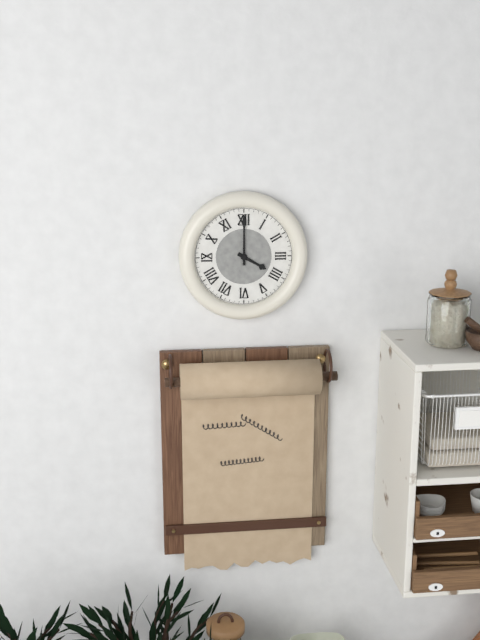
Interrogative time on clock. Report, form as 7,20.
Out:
4,00
